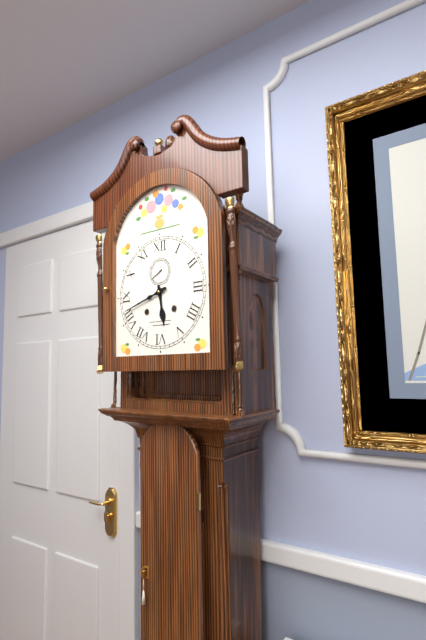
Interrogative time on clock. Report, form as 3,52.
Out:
5,42
